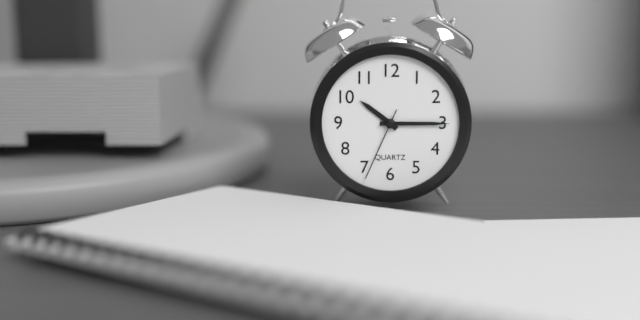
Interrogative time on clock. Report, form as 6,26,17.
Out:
10,15,34
